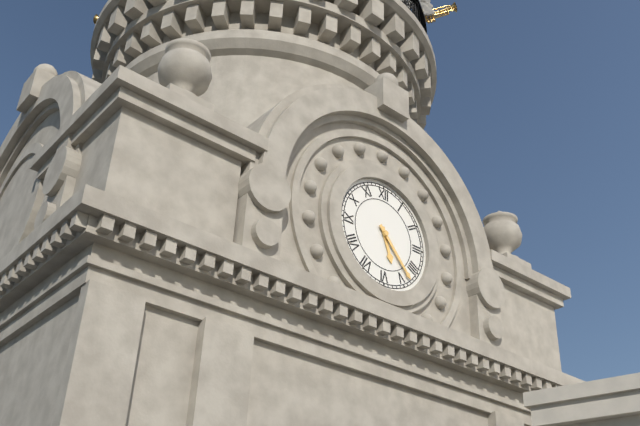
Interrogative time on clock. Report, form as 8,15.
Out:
5,23
